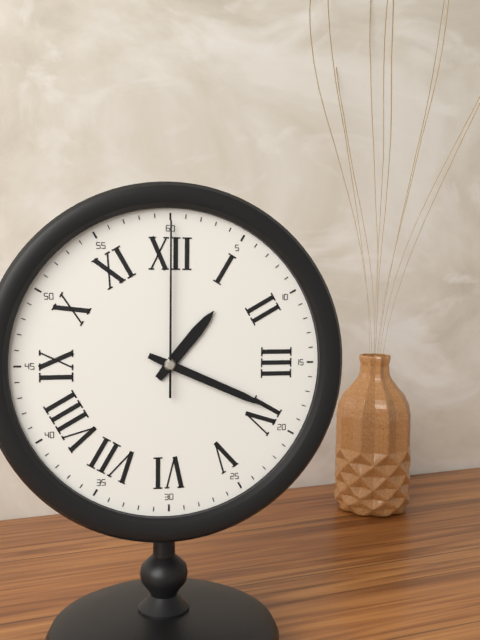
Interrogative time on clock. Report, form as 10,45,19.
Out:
1,19,00
